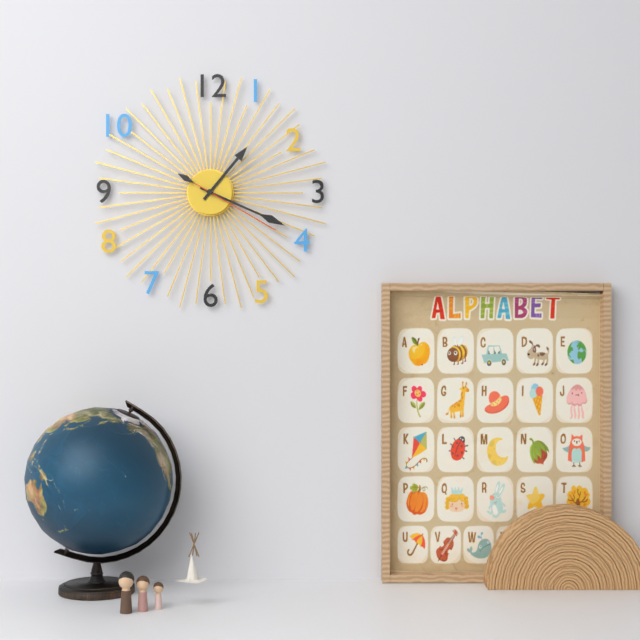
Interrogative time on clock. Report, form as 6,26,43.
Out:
1,19,20
